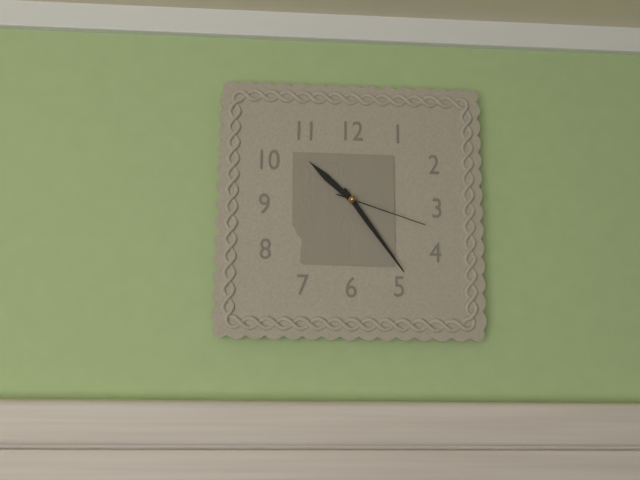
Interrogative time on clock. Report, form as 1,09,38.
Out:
10,24,18
